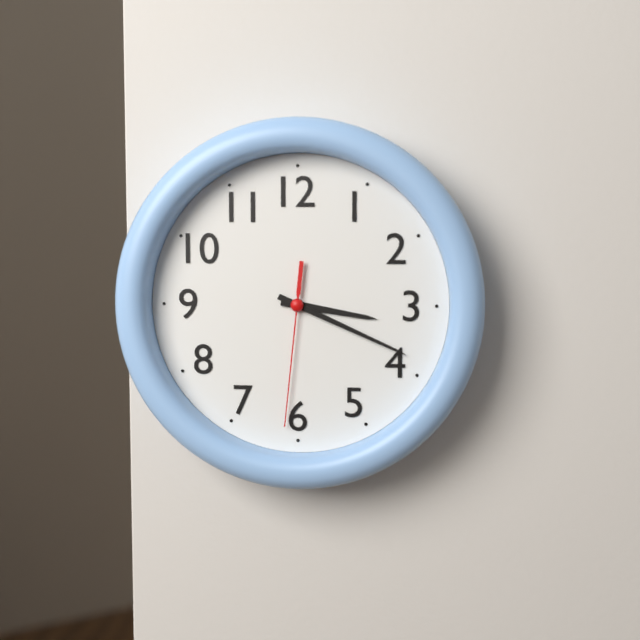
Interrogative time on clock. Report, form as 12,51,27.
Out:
3,19,31
